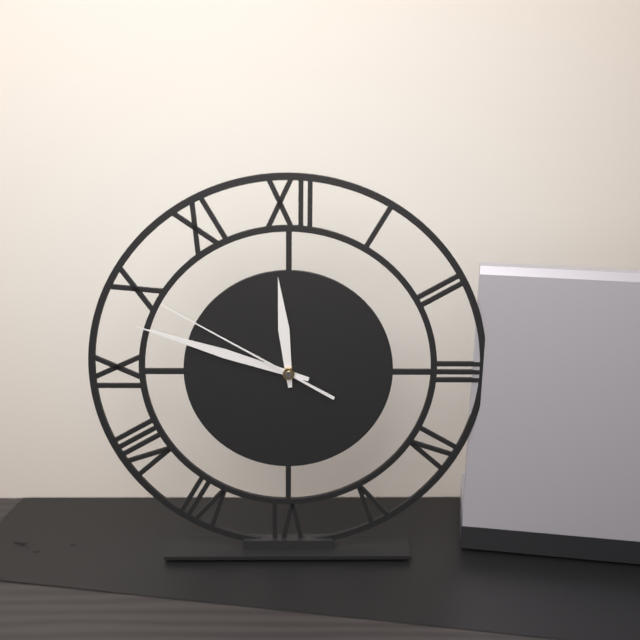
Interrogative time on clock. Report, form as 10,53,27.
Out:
11,48,50
